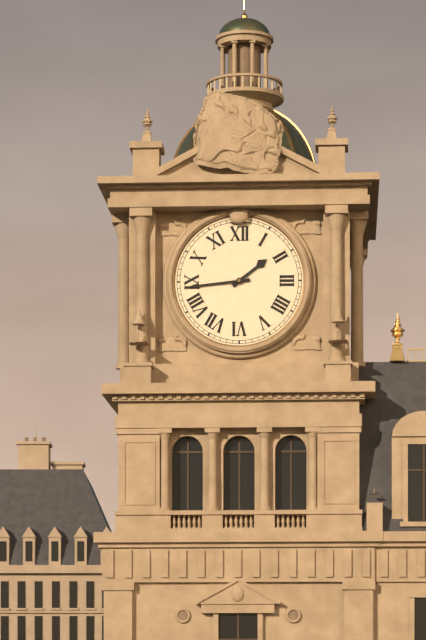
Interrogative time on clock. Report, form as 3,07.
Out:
1,44
